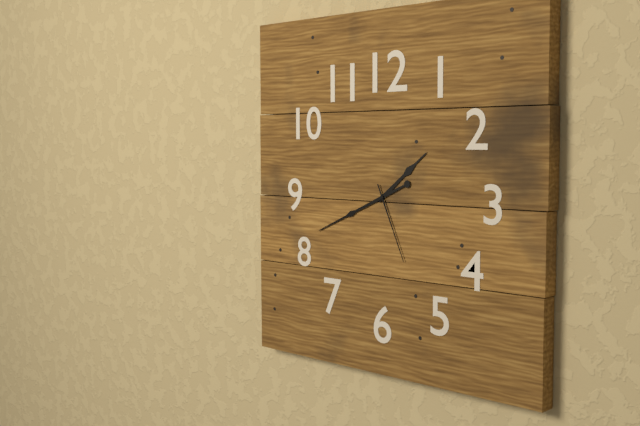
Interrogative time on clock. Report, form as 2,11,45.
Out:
1,41,26
